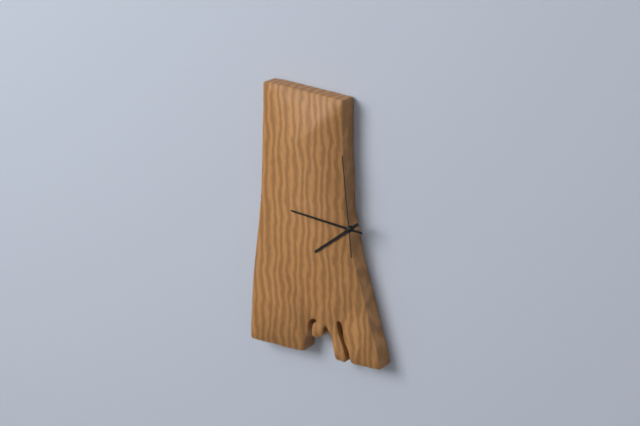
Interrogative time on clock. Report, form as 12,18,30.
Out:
7,46,59
